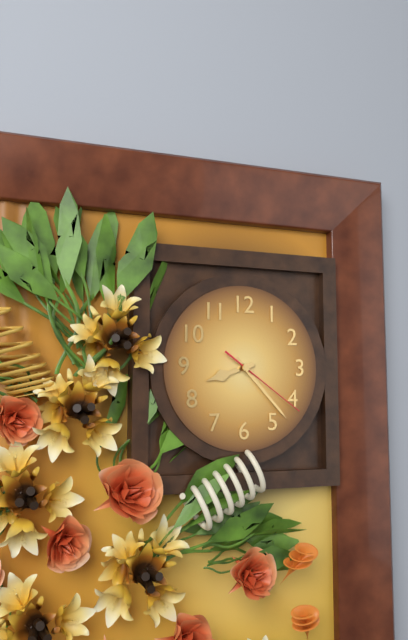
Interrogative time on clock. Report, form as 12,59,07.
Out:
8,23,21
